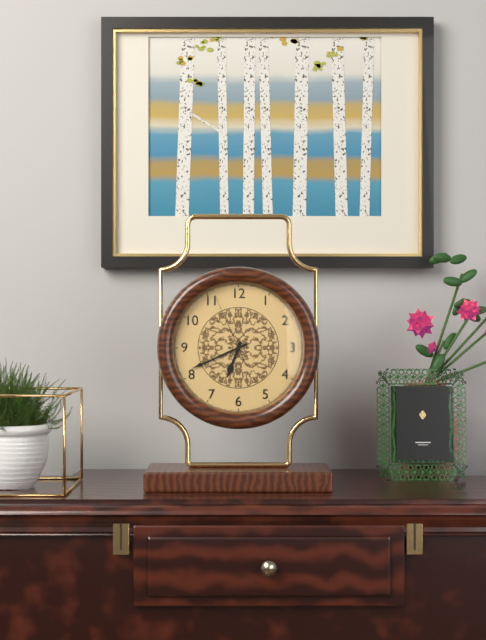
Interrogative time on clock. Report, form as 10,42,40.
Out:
6,41,56
